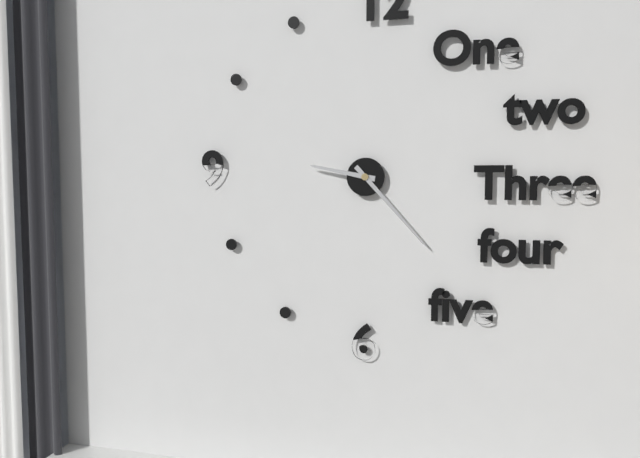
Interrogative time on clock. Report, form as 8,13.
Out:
9,23
